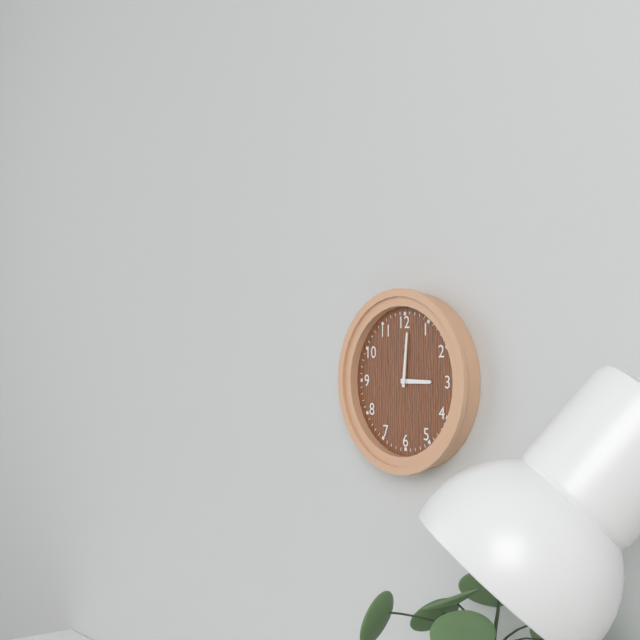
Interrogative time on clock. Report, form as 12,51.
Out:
3,01
